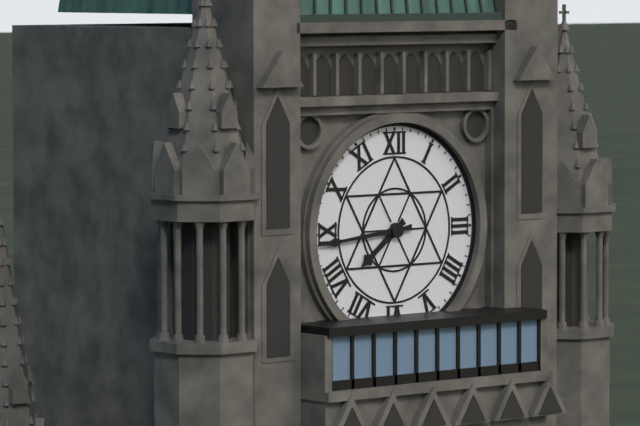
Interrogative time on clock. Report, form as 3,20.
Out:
7,44
